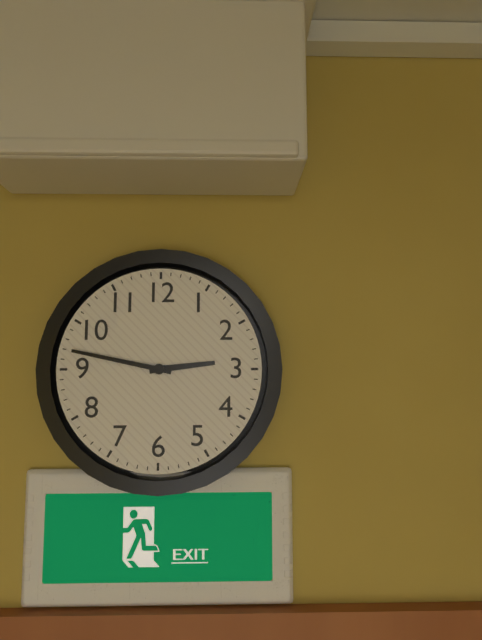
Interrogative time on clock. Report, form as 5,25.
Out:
2,47
